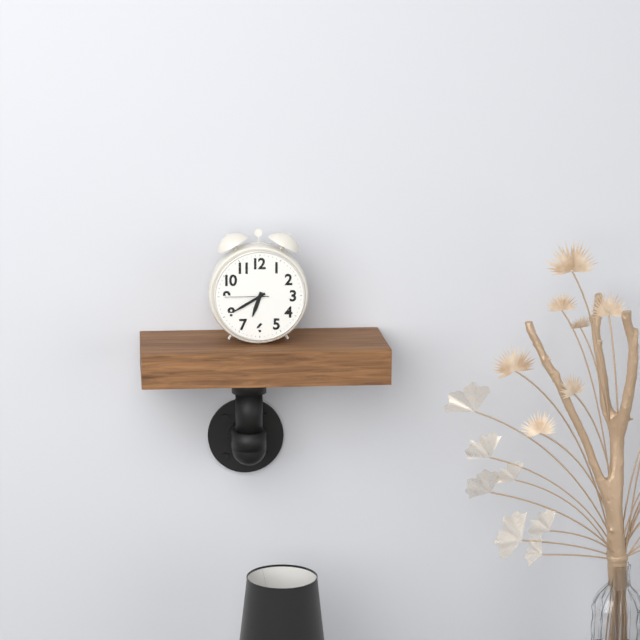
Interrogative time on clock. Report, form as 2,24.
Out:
6,40
